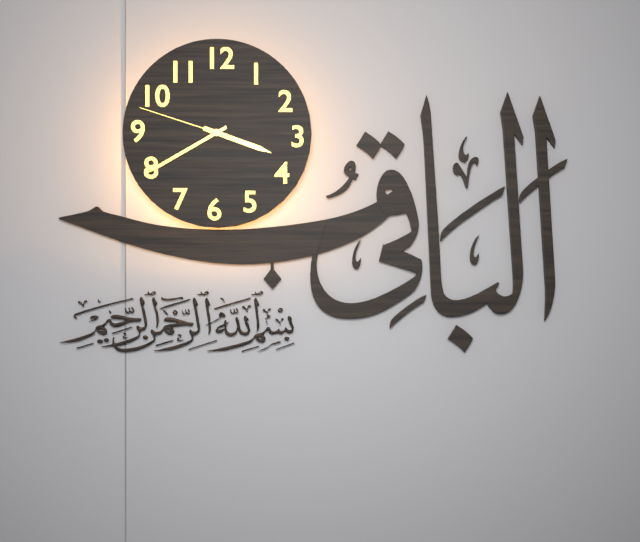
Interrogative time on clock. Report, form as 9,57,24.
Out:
3,40,48
